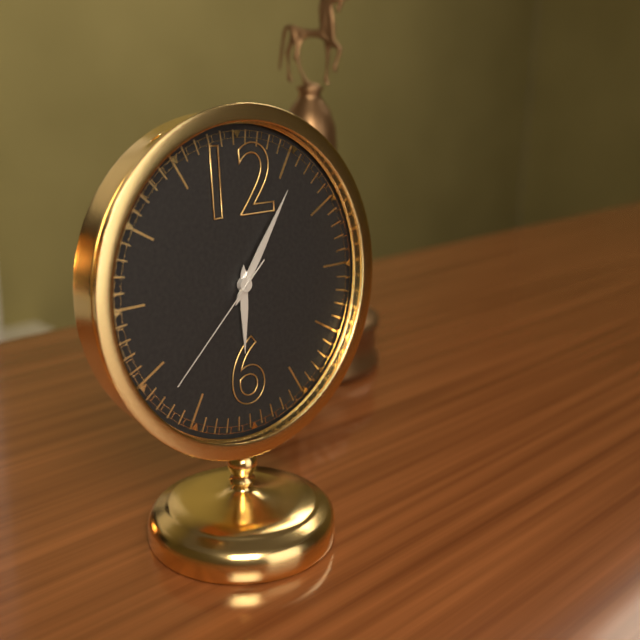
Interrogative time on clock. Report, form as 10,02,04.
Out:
6,06,38
